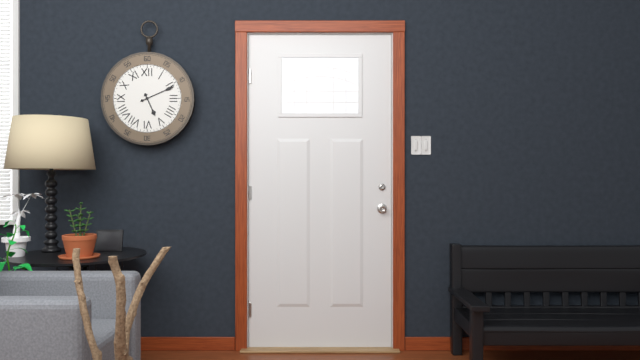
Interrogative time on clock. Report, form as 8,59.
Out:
5,11
